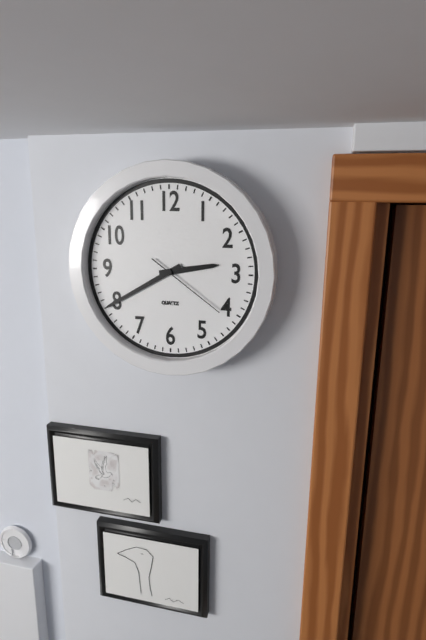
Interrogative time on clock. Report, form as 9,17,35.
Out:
2,40,21
